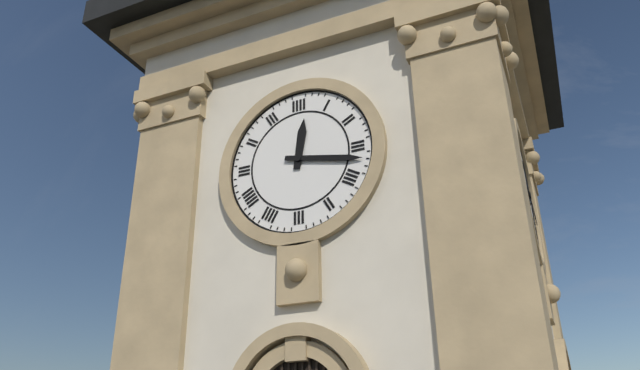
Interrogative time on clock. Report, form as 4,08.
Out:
12,17
